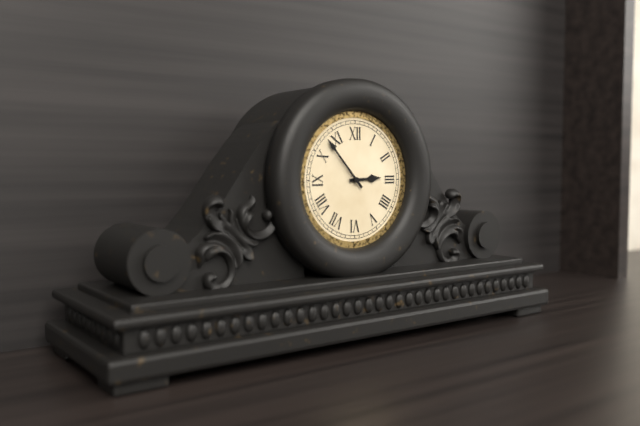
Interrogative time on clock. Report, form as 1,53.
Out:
2,53
